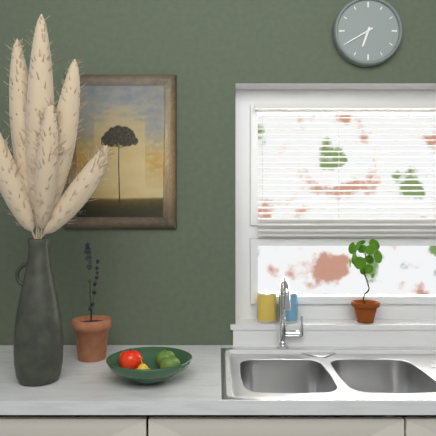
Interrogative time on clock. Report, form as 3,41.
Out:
6,40
